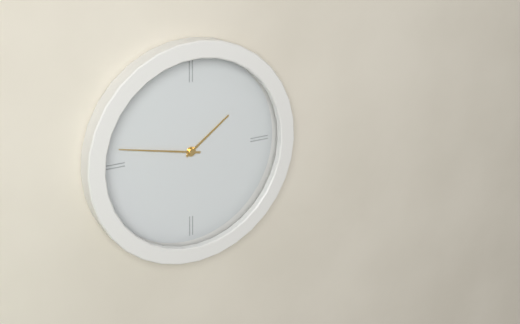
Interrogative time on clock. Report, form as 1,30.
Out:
1,47
